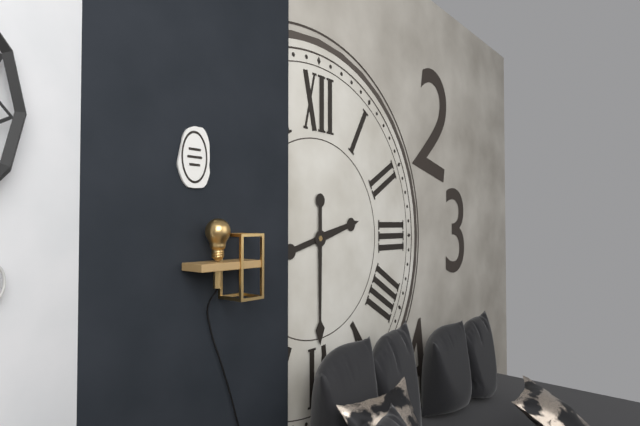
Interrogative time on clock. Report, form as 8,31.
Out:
2,30
